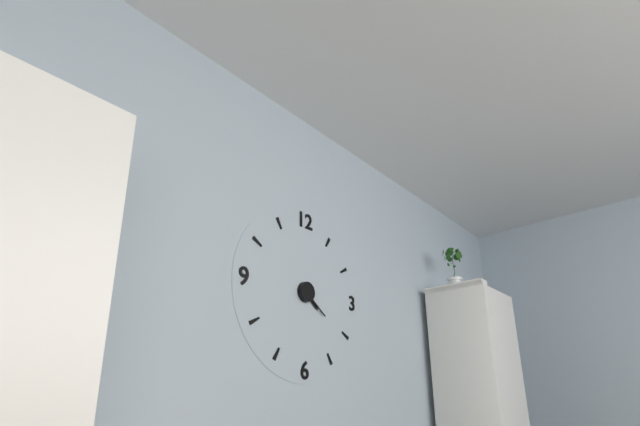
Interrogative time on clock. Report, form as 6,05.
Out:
4,21
